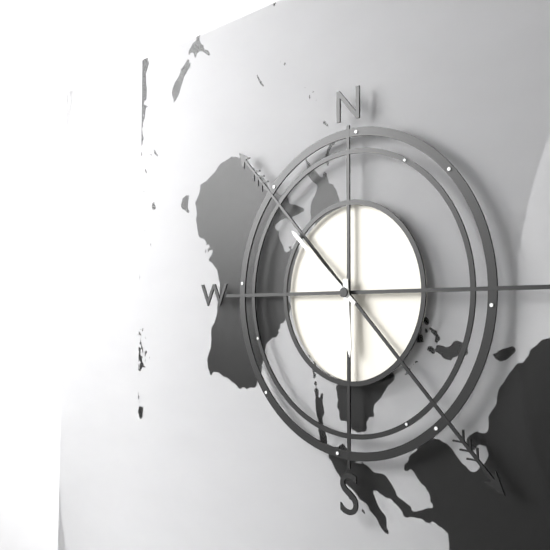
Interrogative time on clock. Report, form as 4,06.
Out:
5,52
